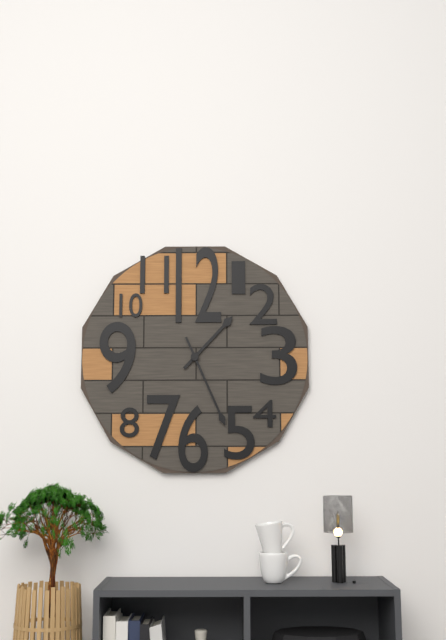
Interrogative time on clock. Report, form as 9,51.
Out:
1,26
